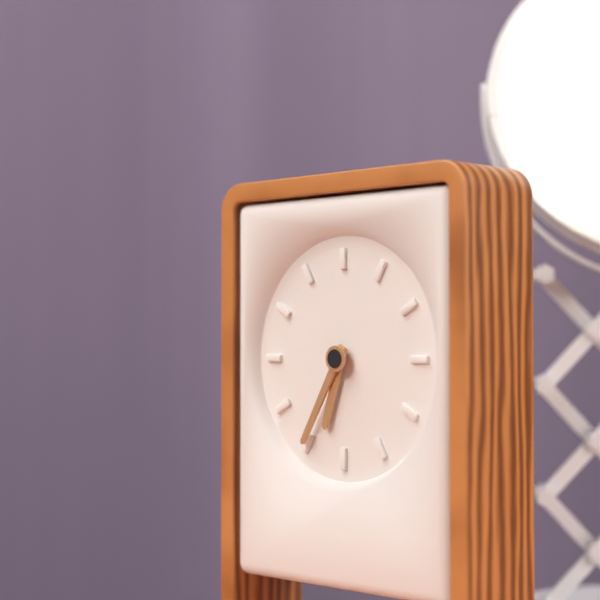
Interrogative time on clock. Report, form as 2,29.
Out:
6,35
